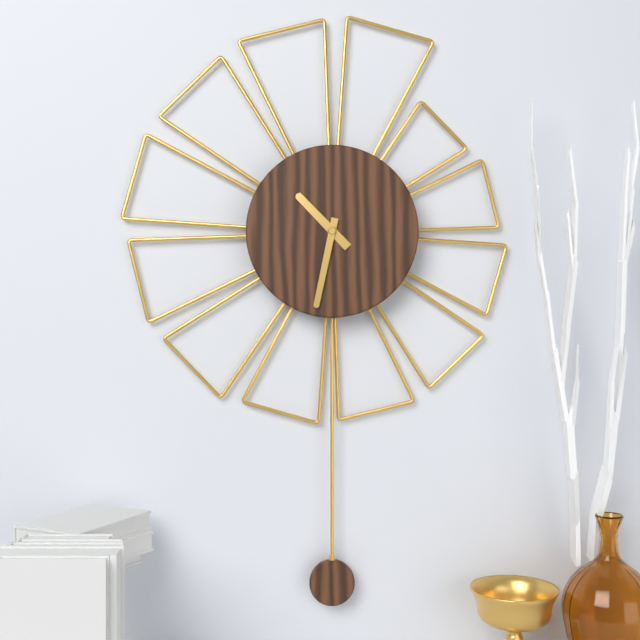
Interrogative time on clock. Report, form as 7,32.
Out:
10,32
